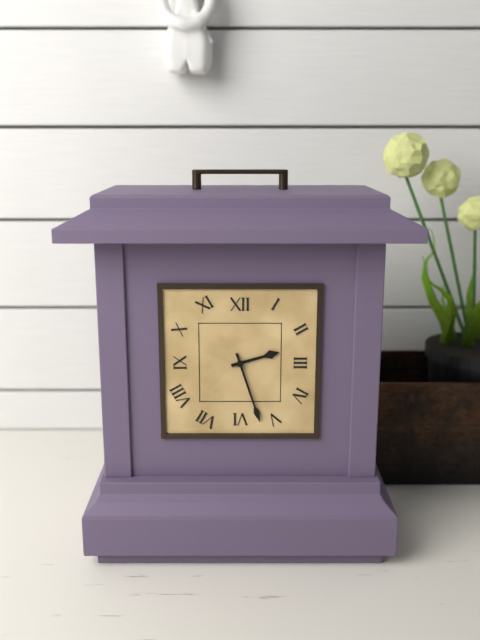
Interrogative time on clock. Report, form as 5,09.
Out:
2,27
